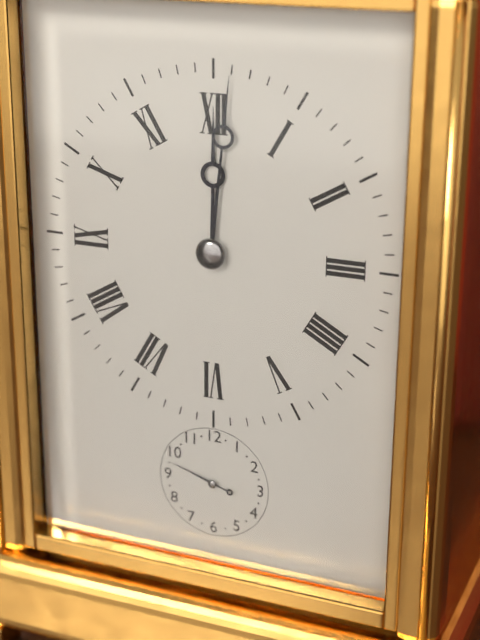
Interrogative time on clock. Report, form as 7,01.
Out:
12,01
